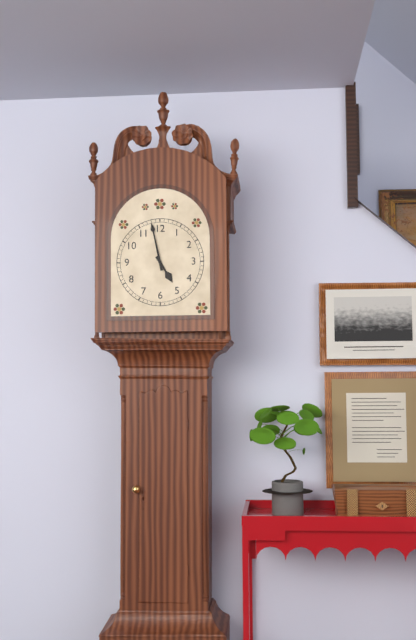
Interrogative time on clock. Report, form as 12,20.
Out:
4,58
